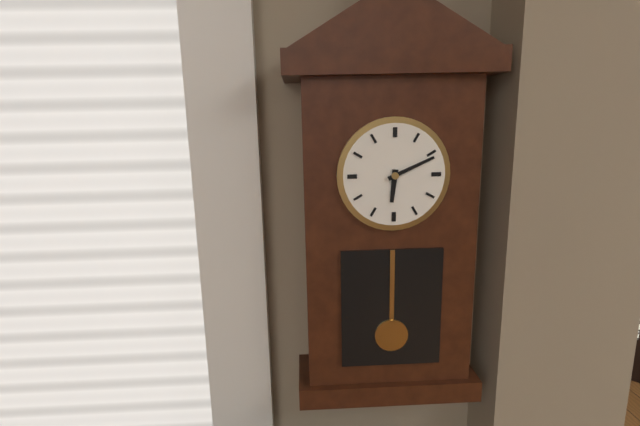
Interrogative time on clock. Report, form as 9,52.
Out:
6,11
